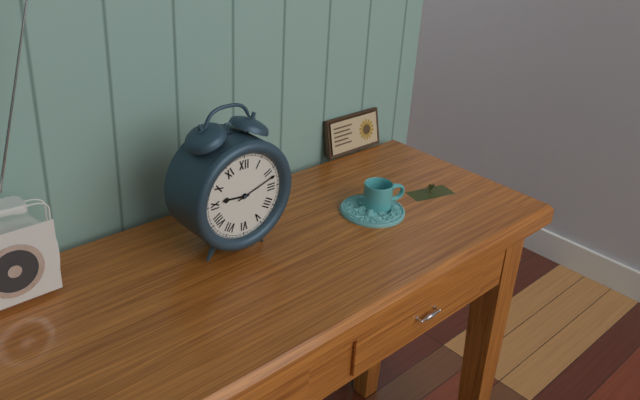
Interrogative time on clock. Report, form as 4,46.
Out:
9,12
